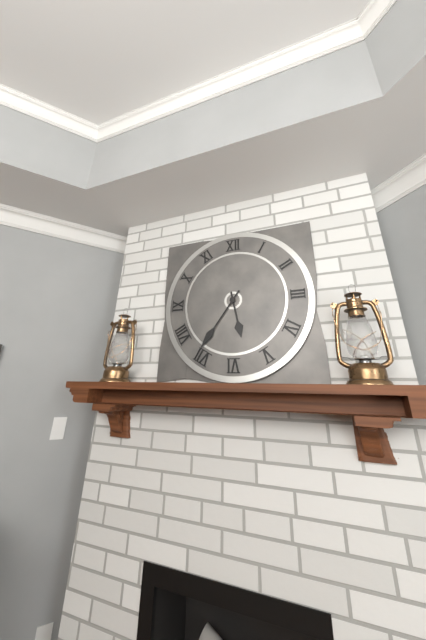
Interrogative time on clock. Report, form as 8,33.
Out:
5,36
